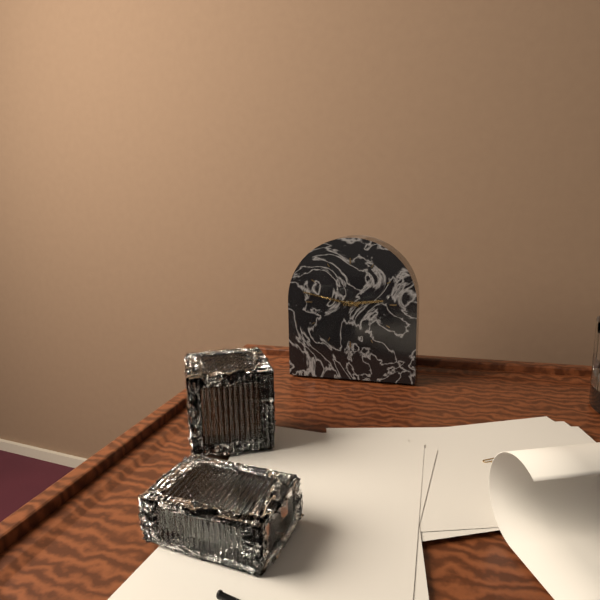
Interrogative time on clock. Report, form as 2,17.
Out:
2,47
